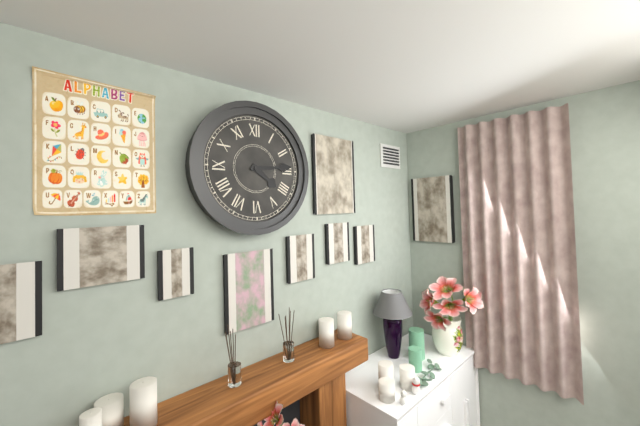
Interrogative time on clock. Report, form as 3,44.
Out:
4,14
